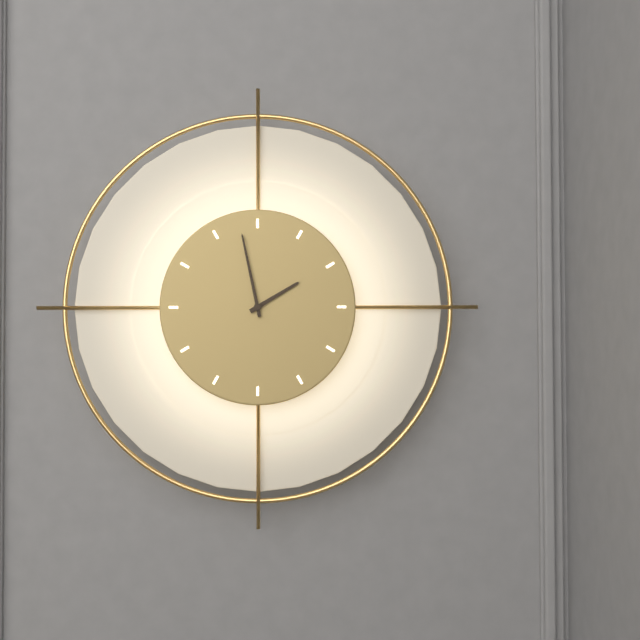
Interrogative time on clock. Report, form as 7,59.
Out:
1,58
